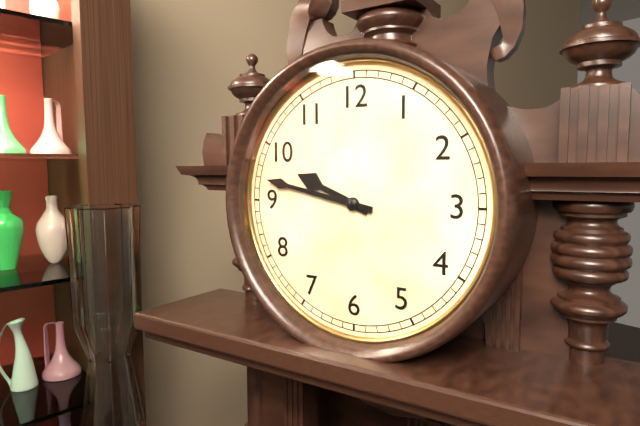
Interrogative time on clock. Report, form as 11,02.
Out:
9,47
